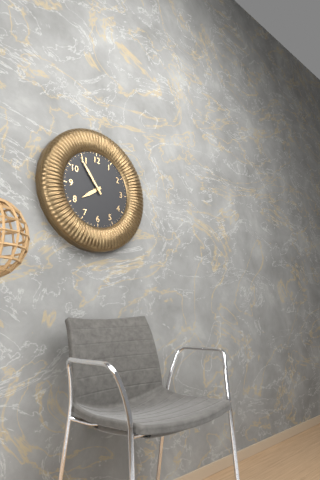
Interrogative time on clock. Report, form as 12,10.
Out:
7,54
